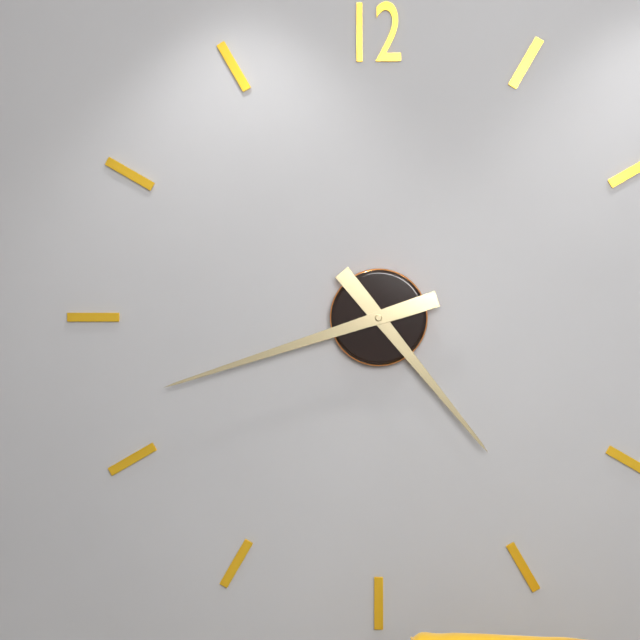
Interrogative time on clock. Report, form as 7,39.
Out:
4,42
